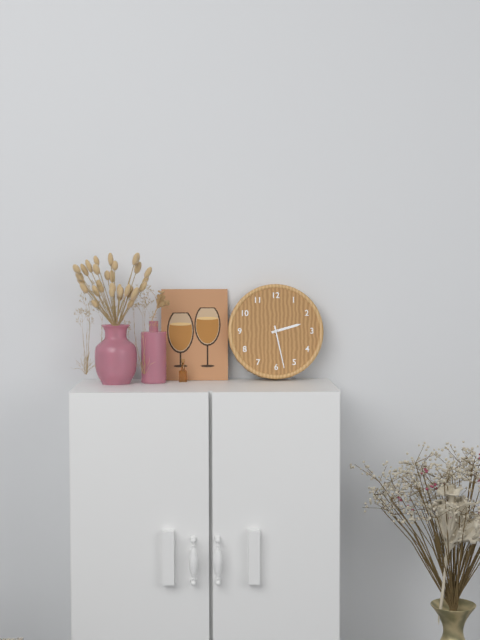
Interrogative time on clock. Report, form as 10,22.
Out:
2,28
